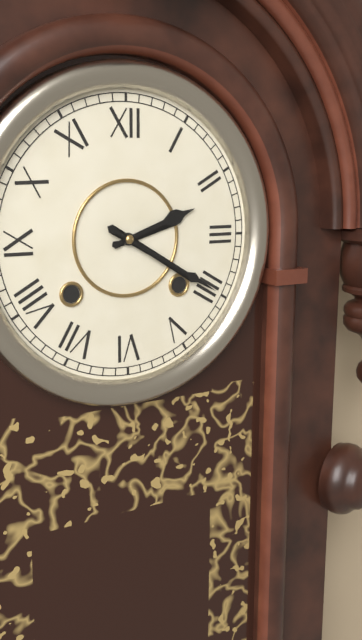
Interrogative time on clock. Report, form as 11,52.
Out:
2,20
